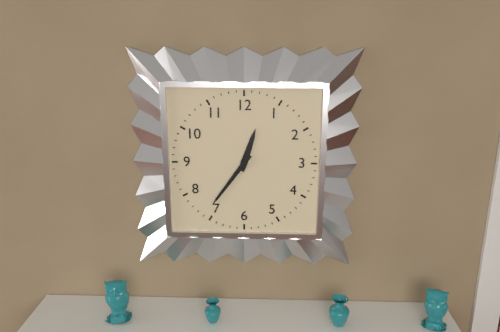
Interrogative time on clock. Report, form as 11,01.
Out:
12,36
